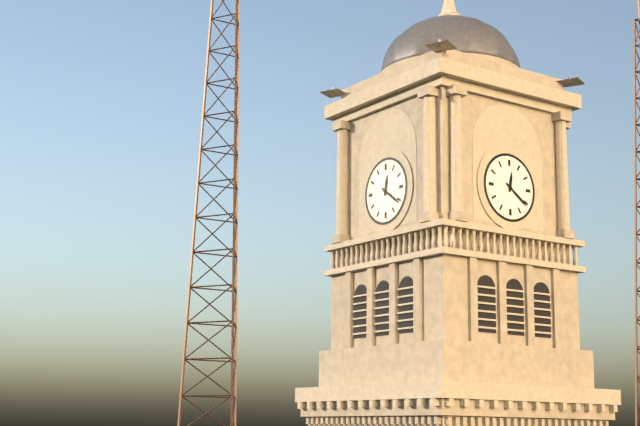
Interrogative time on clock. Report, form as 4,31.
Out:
12,21
